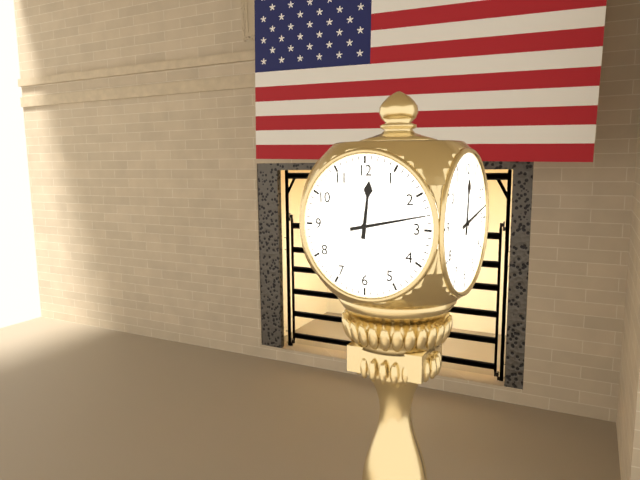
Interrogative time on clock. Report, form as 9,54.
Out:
12,13
